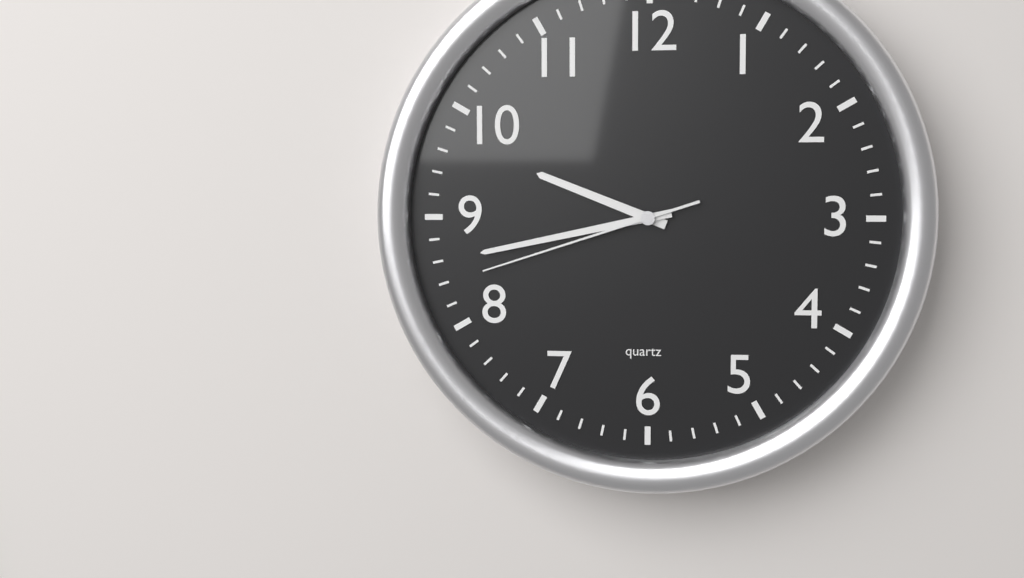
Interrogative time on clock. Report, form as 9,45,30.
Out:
9,43,42
